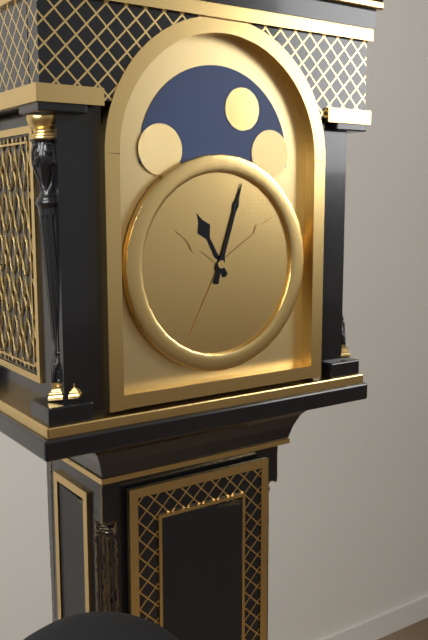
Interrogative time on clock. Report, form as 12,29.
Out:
11,03
